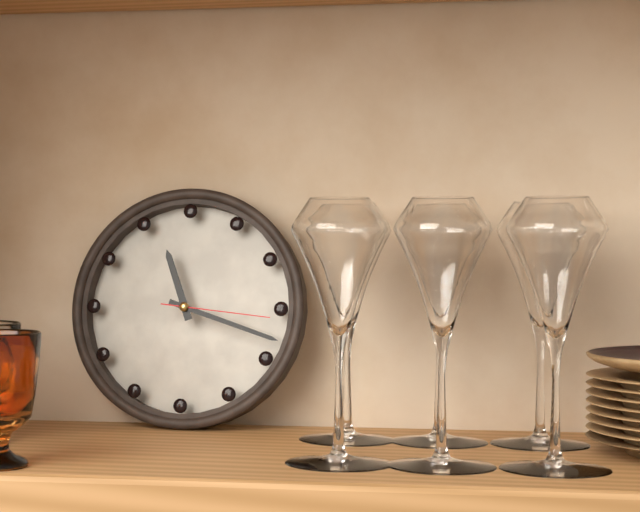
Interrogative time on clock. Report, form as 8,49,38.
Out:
11,18,16
